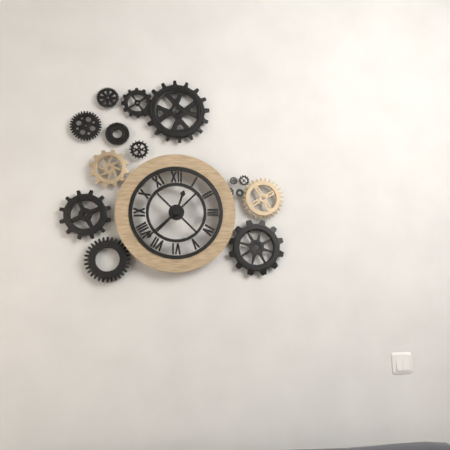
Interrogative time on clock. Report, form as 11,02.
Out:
12,38
